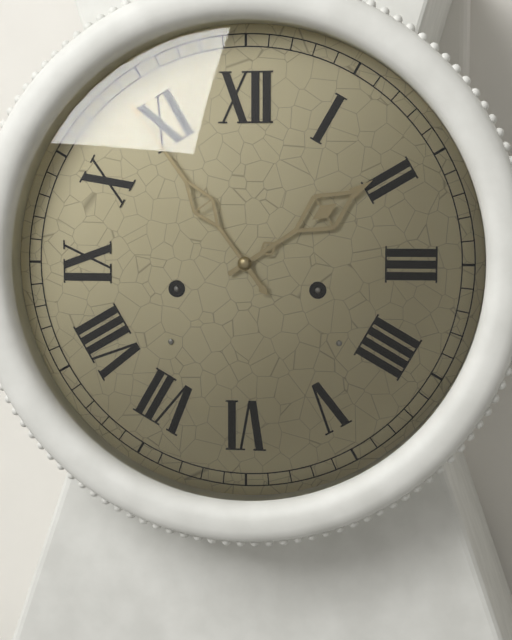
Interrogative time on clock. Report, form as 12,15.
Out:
1,54
